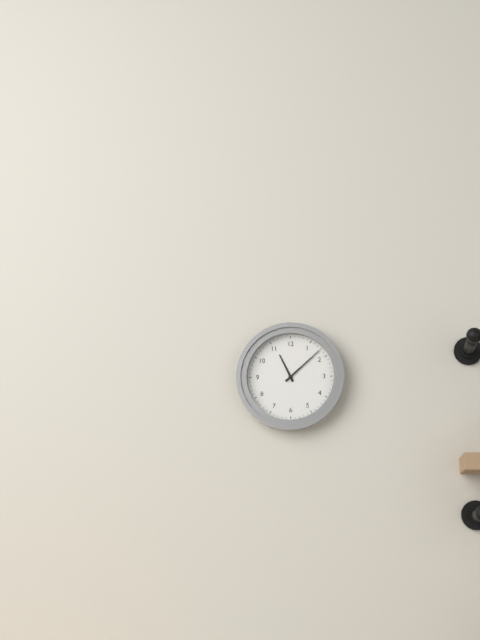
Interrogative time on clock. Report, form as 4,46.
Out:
11,08
